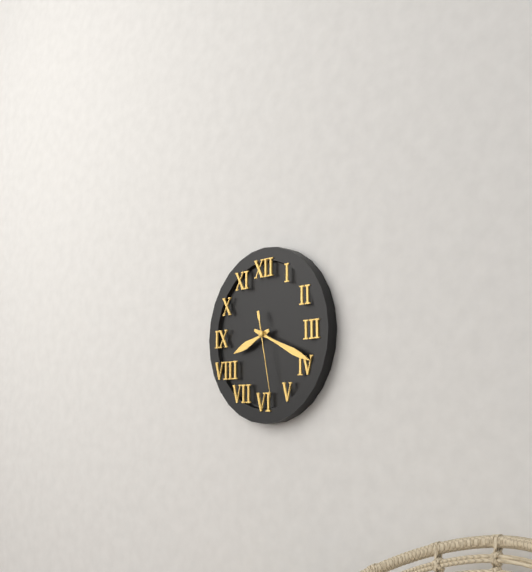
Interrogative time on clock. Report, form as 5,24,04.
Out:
8,19,28
